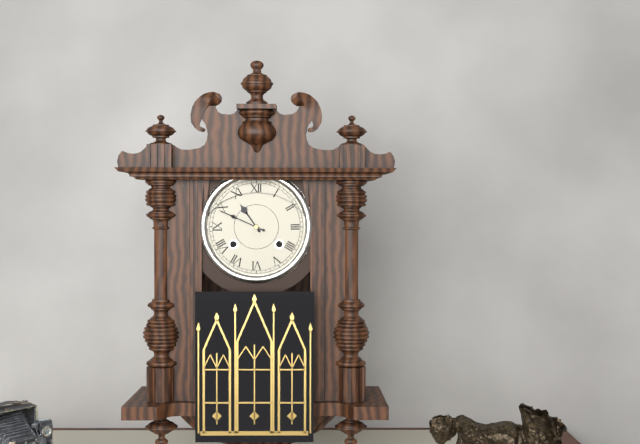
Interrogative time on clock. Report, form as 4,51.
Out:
10,49
